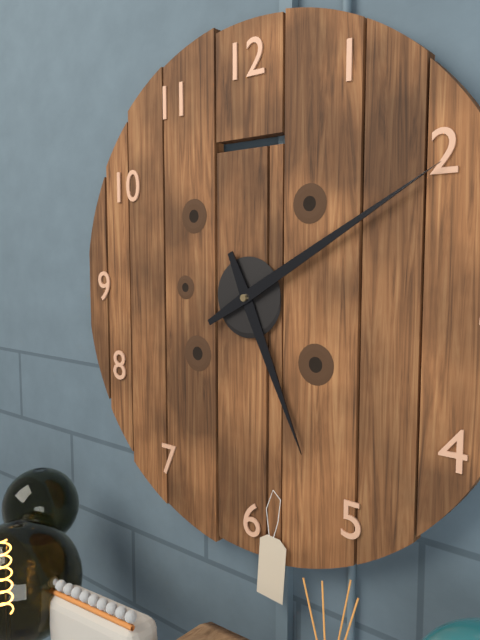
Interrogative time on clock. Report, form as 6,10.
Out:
5,10
